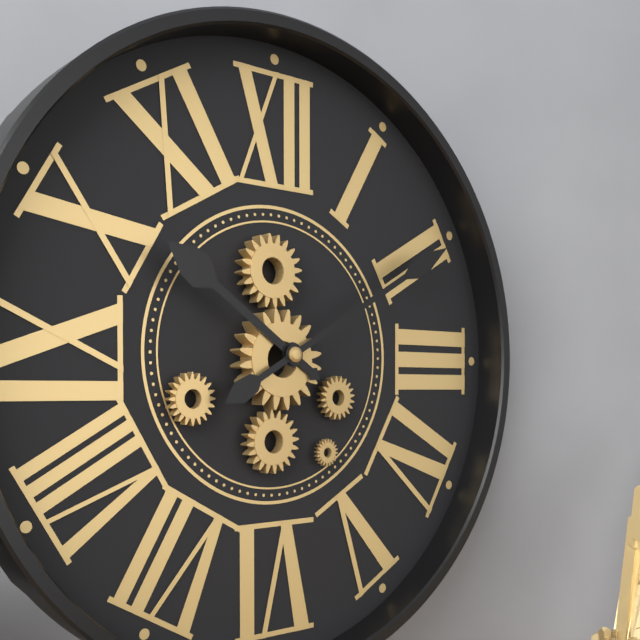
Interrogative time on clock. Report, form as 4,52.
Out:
10,10
